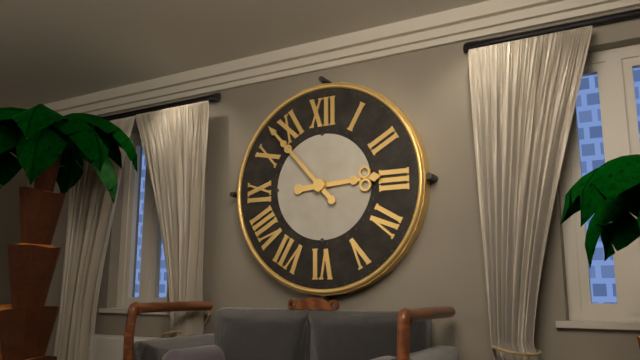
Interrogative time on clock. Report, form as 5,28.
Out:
2,53
